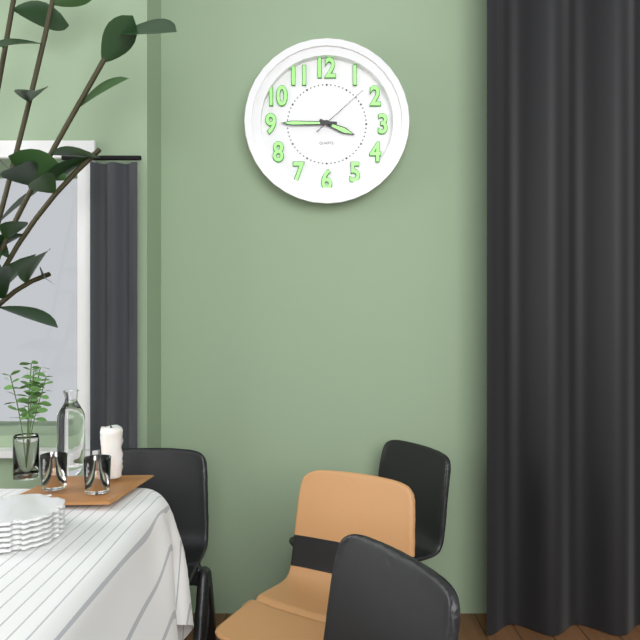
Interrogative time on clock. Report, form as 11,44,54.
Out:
3,45,08
